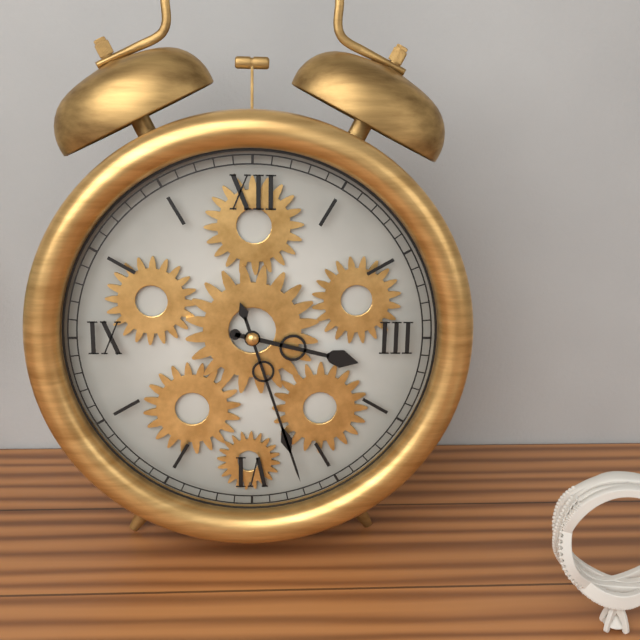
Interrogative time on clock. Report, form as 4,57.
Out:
3,27
